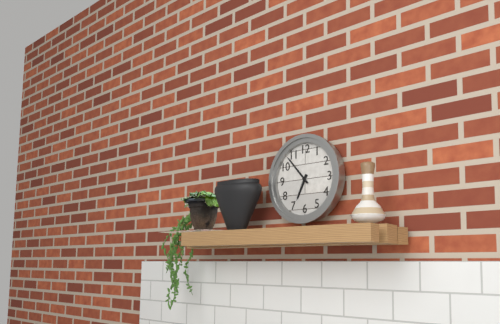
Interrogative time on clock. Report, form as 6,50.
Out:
6,53
